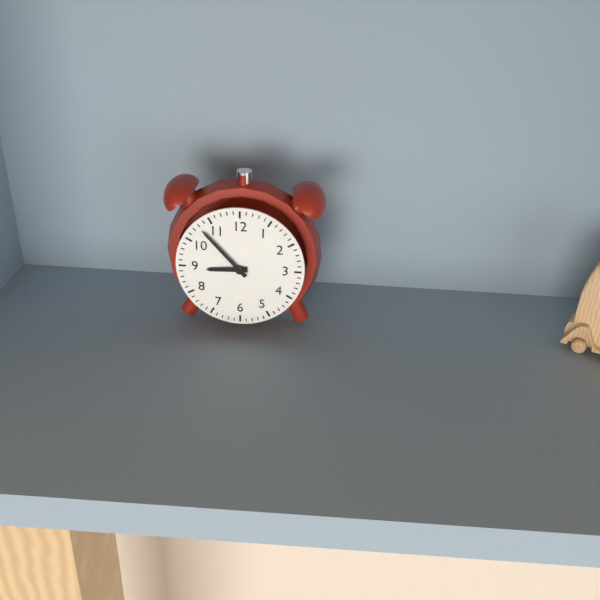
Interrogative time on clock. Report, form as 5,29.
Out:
8,53
